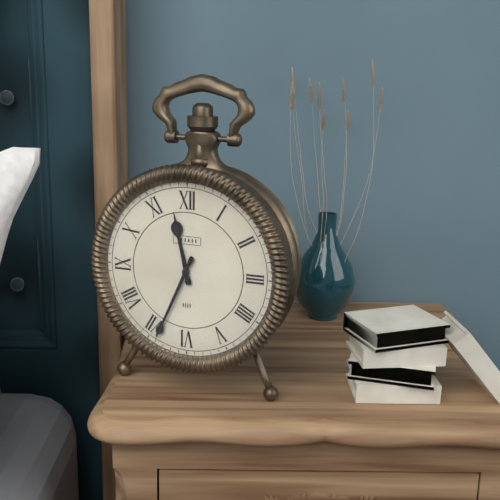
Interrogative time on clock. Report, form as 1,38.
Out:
11,34
